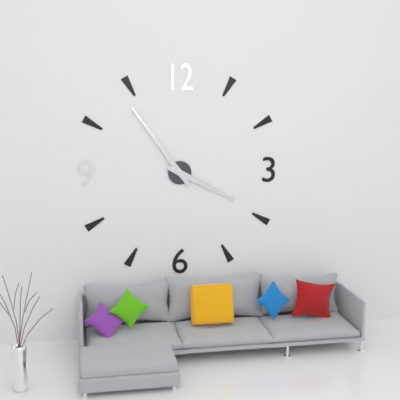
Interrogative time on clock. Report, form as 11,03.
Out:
3,54
